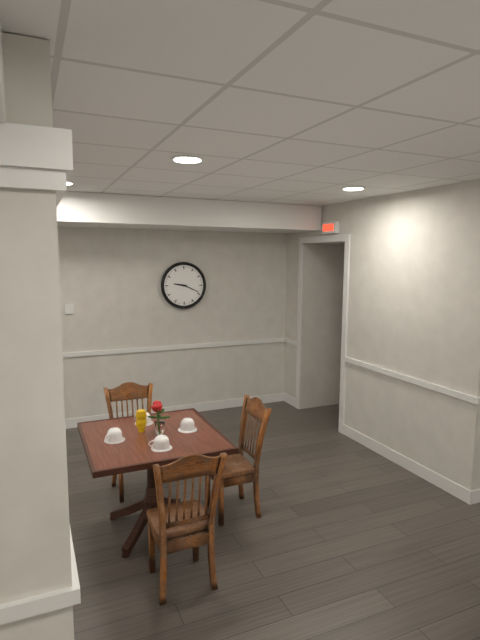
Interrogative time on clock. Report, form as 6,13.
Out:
9,19
